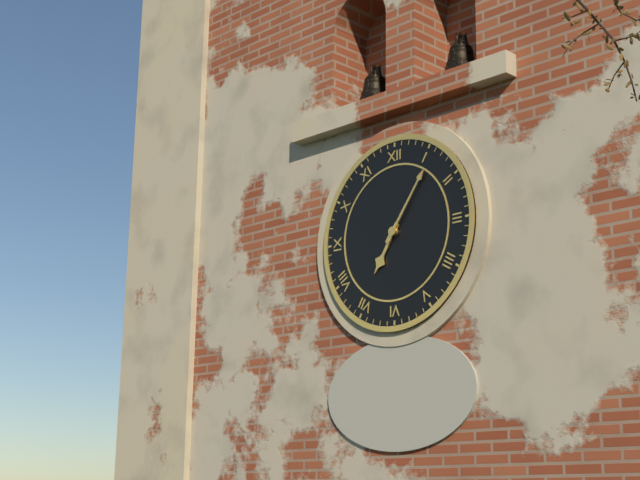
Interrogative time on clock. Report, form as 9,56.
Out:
7,06
